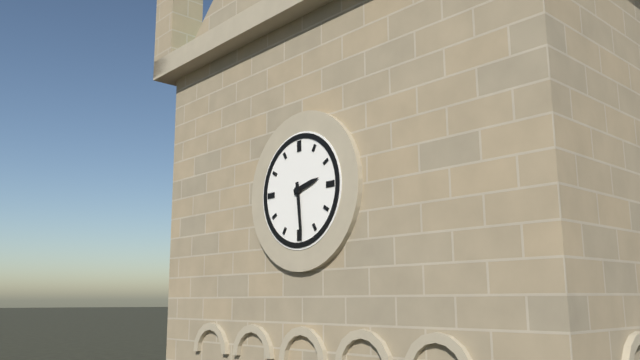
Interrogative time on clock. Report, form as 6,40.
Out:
2,29
